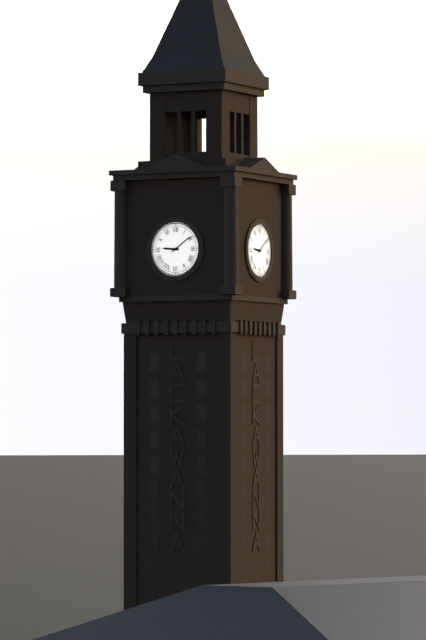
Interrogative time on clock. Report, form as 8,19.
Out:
9,09
